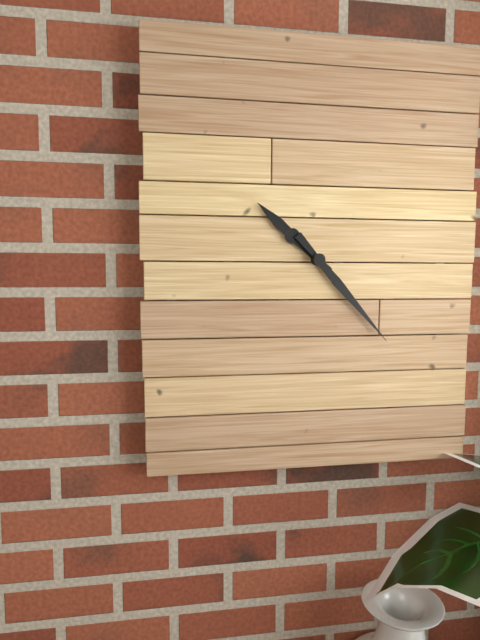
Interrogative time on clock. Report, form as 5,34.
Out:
10,23
